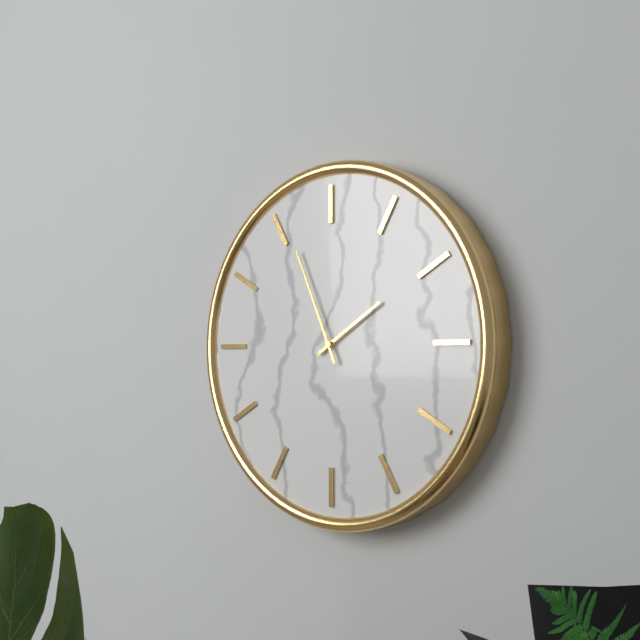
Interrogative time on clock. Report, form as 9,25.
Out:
1,56
